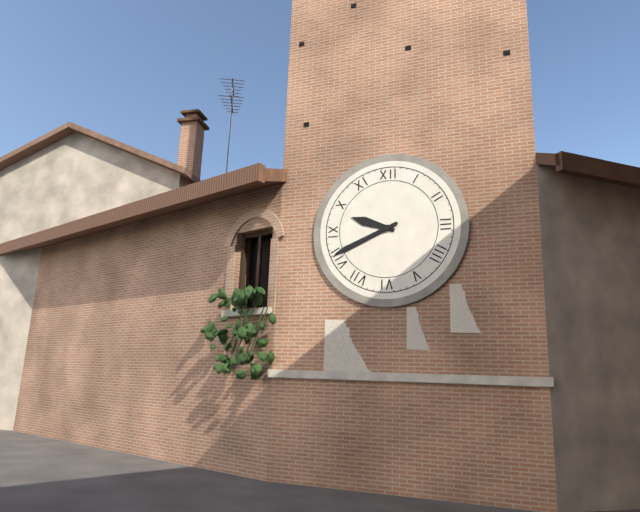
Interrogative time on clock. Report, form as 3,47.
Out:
9,41
